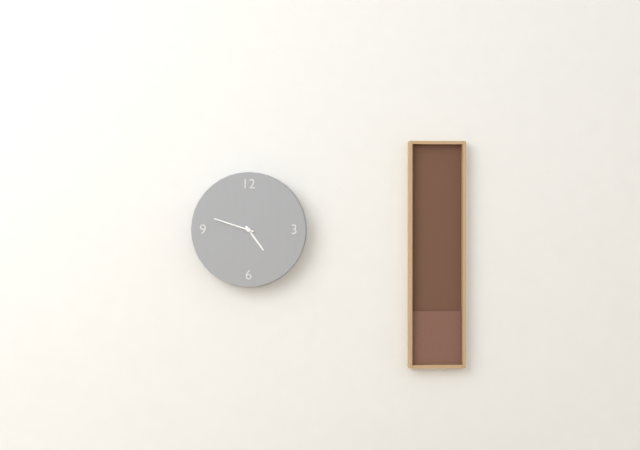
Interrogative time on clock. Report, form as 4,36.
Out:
4,48
